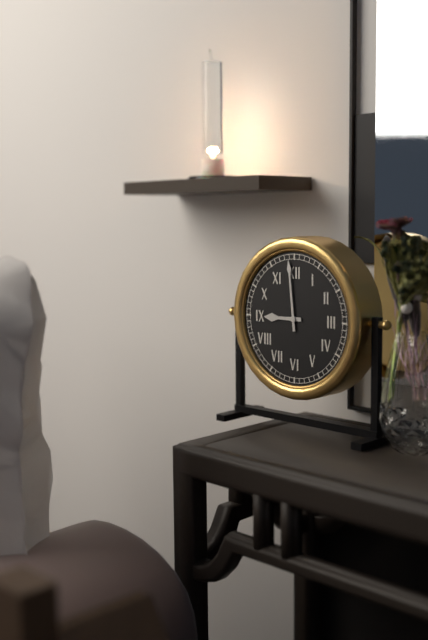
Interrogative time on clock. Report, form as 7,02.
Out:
8,59
